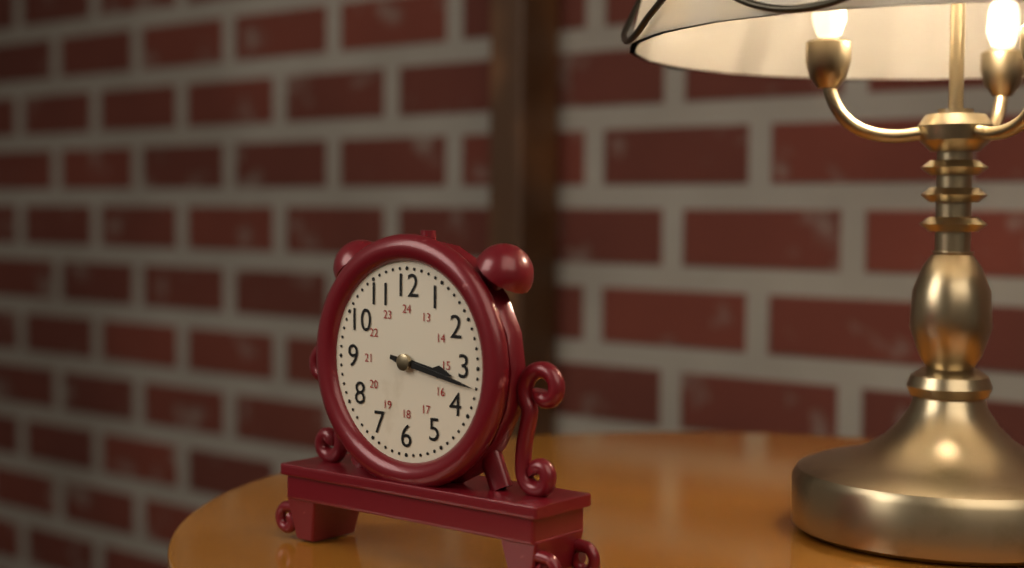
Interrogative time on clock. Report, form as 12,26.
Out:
3,17
